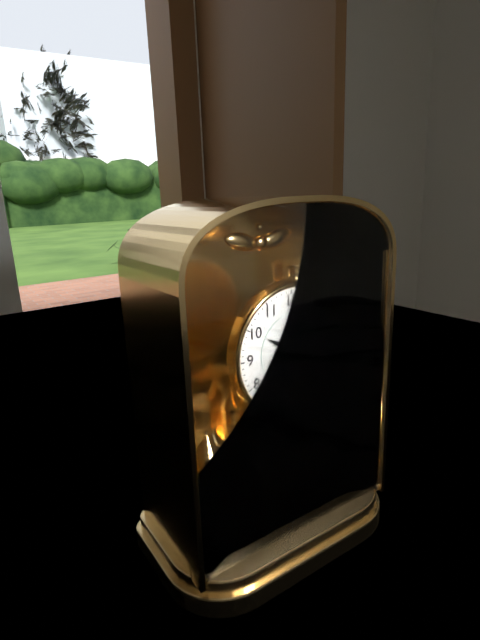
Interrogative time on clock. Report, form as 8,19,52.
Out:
10,00,33
